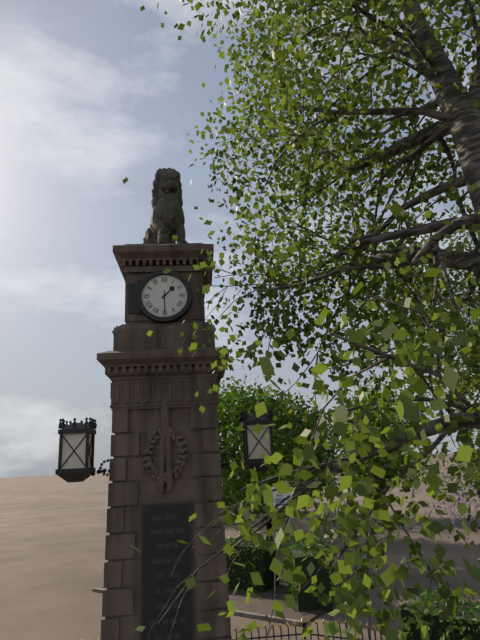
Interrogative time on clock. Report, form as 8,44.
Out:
1,30
